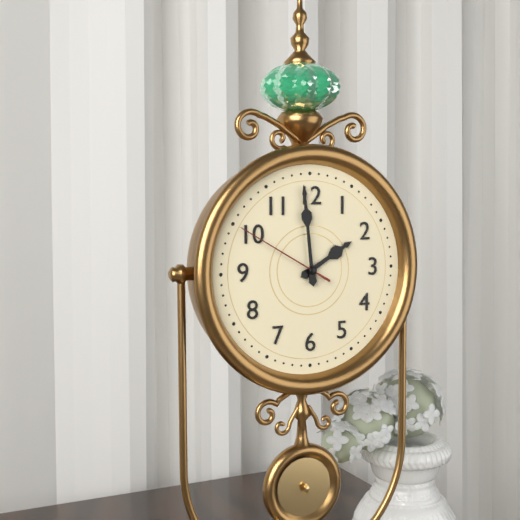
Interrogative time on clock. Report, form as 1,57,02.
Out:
1,59,50
